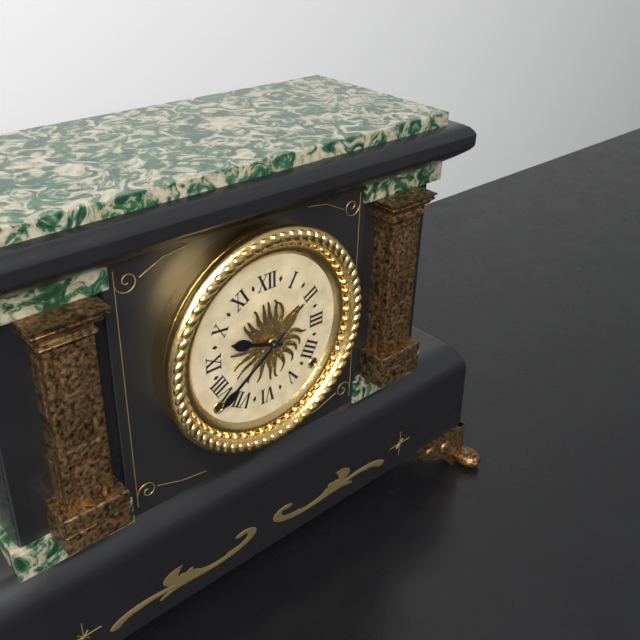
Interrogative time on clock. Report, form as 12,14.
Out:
9,39
